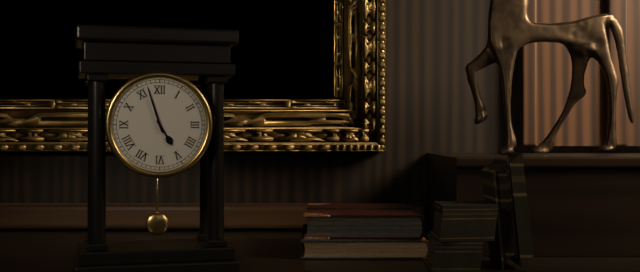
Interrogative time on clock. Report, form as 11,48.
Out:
4,57
